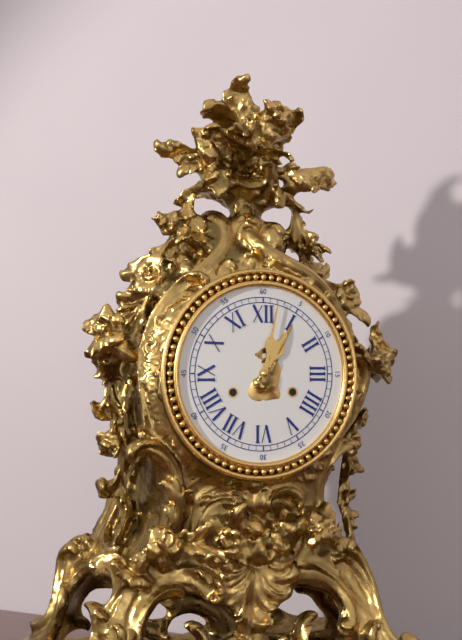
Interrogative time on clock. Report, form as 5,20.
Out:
1,02
